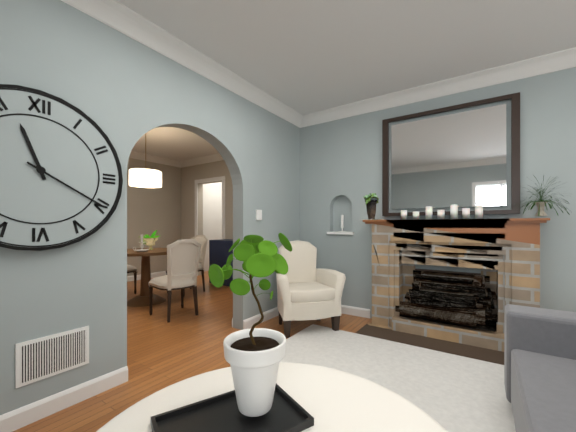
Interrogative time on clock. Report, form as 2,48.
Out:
11,20
